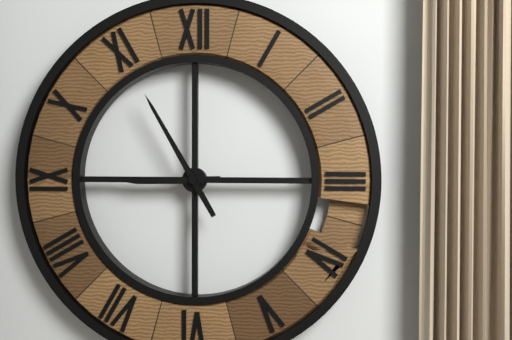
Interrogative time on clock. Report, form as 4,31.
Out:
8,55
